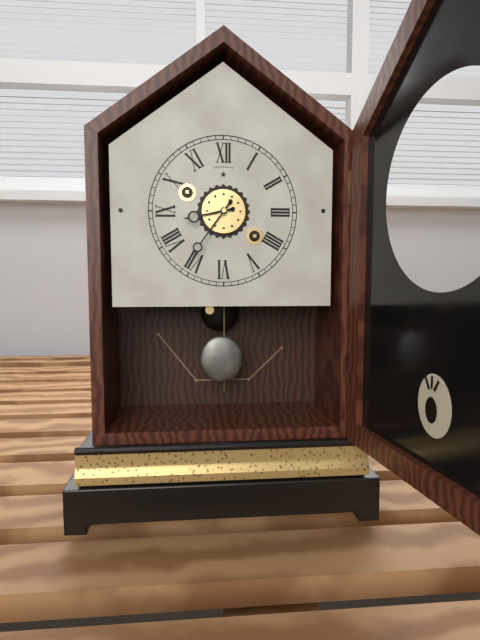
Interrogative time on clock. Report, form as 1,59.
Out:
8,36
